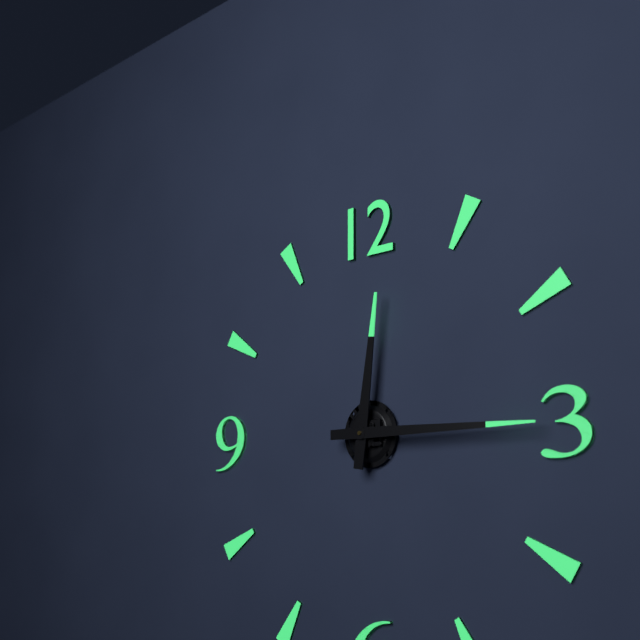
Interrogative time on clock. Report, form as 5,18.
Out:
12,15
